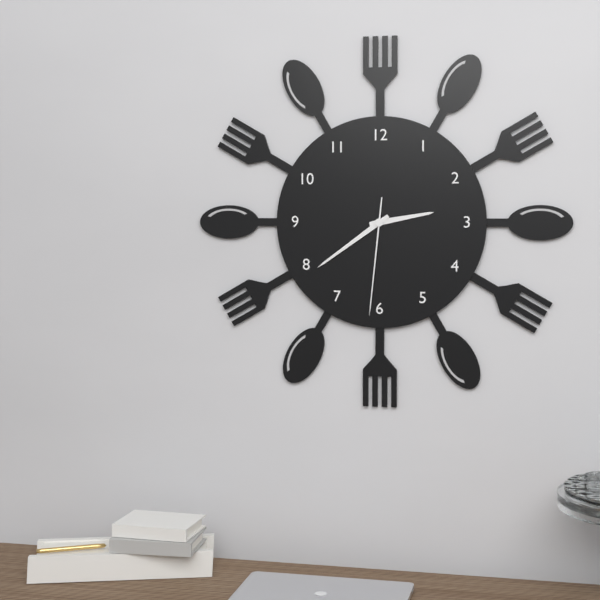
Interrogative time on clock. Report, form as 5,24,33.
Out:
2,39,31
